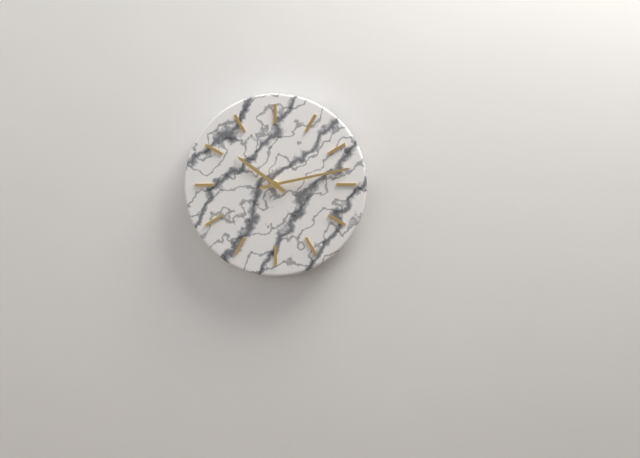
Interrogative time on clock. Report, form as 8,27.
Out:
10,13
